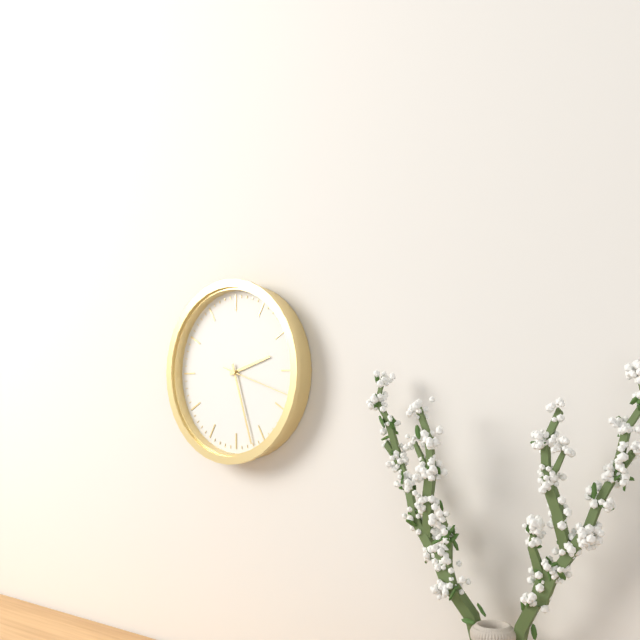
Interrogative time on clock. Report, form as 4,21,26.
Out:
2,27,18
